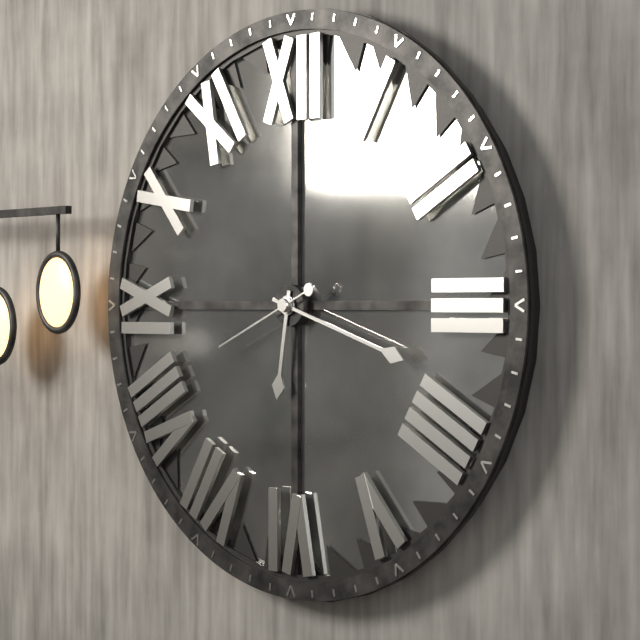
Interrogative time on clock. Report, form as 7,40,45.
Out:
6,18,41
